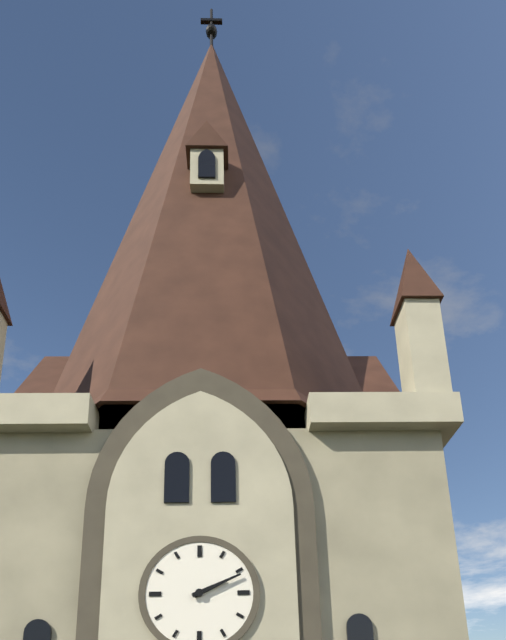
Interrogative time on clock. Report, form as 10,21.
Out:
2,11
